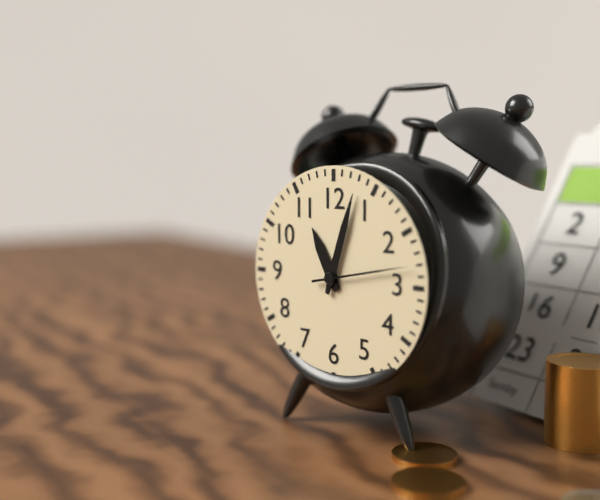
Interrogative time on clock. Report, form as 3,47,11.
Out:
11,03,13
